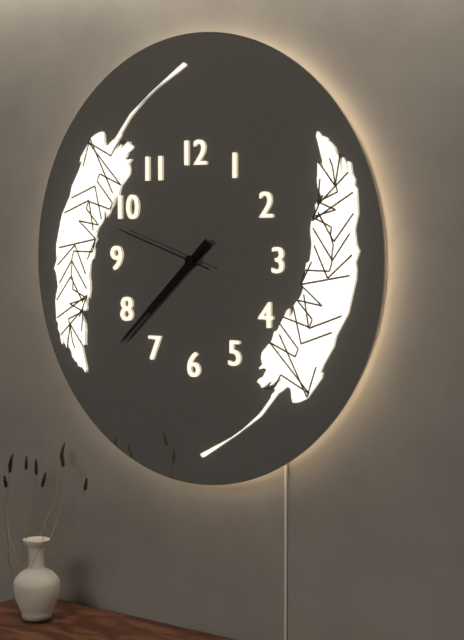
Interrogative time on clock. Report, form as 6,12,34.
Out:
7,38,48
